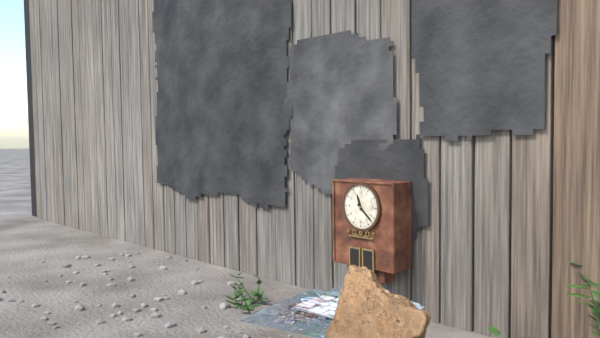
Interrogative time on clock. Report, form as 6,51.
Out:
11,22
